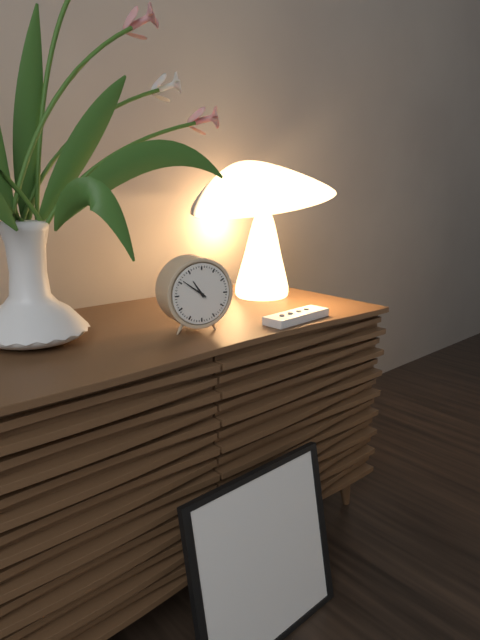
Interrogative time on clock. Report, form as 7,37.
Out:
10,51
